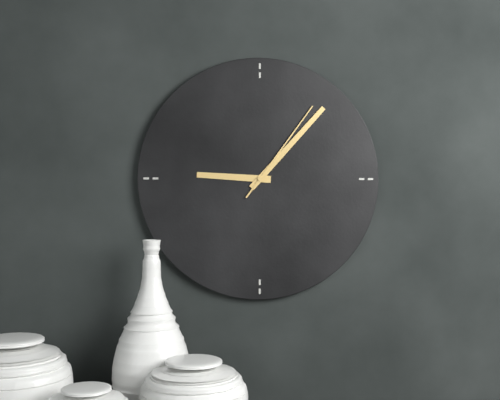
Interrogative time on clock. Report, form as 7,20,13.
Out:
9,07,06
